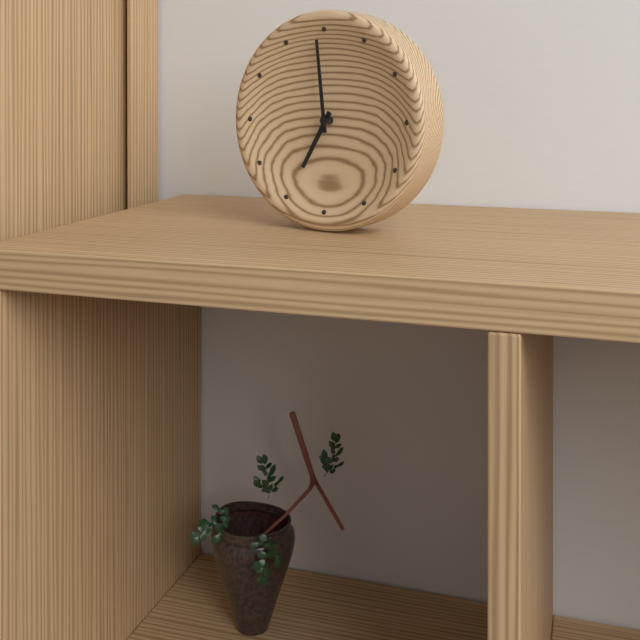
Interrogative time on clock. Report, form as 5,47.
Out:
6,59
